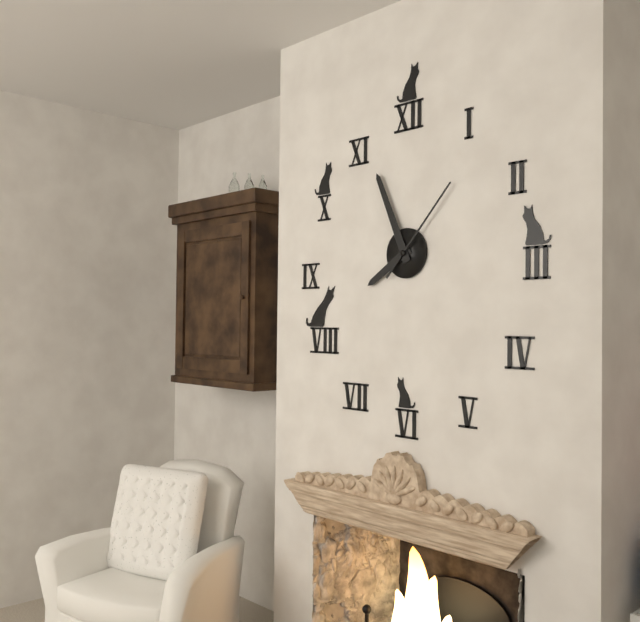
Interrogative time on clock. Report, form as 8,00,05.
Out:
7,56,07
